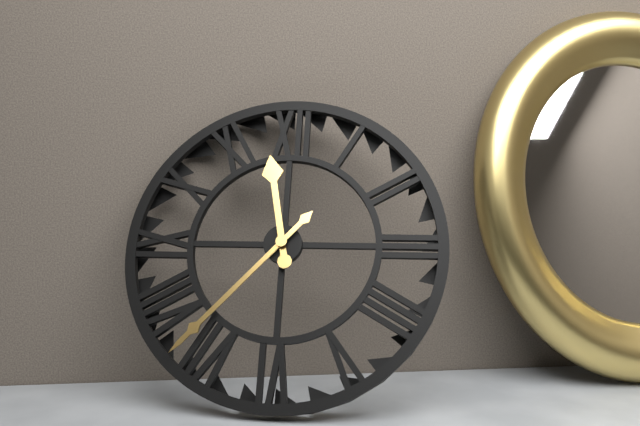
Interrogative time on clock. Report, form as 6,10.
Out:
11,37
